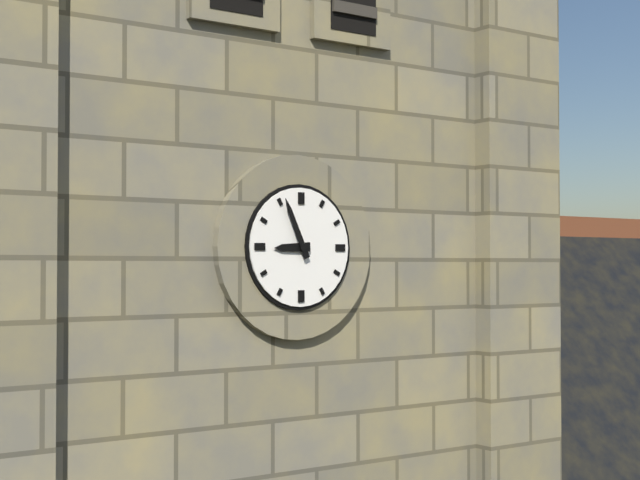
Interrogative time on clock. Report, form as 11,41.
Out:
8,56
